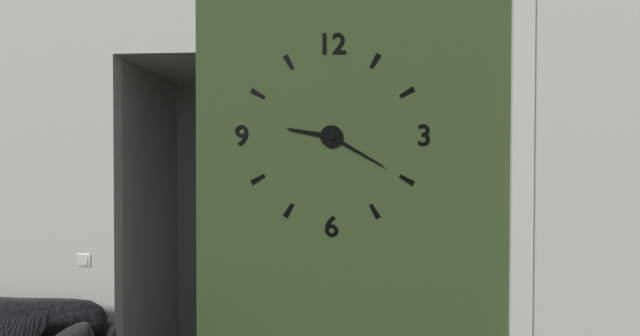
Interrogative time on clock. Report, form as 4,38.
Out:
9,20
